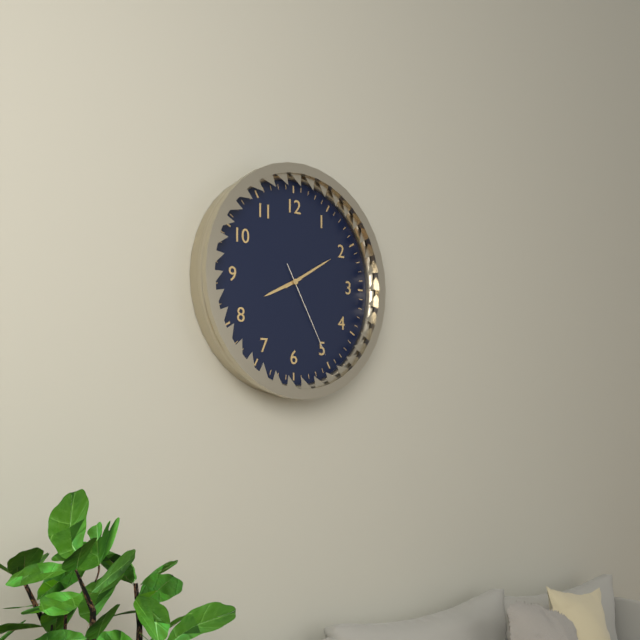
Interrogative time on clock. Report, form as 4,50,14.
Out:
8,10,25
